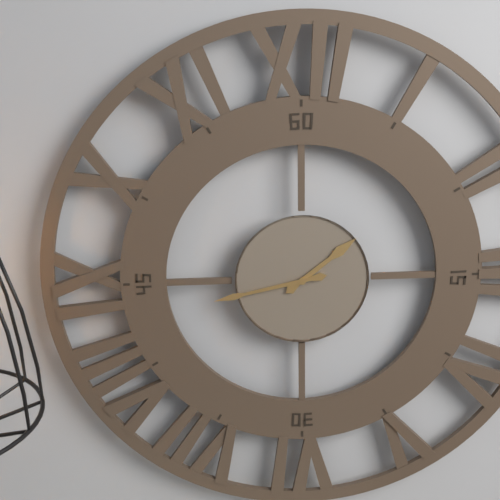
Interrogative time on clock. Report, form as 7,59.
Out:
1,43
